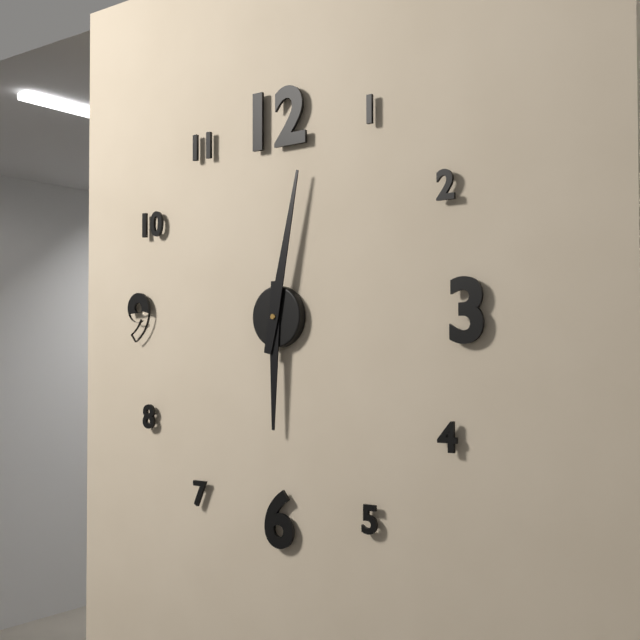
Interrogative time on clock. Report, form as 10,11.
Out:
6,02
